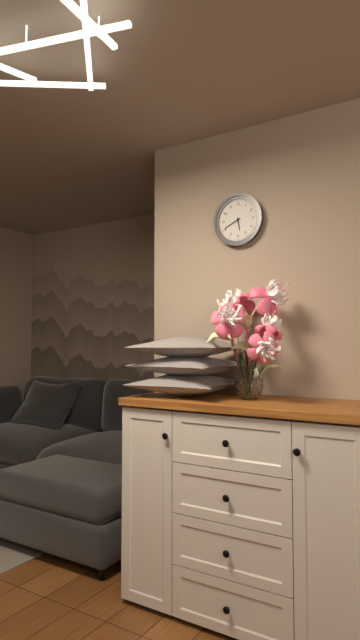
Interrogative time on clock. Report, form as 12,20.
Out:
5,41
